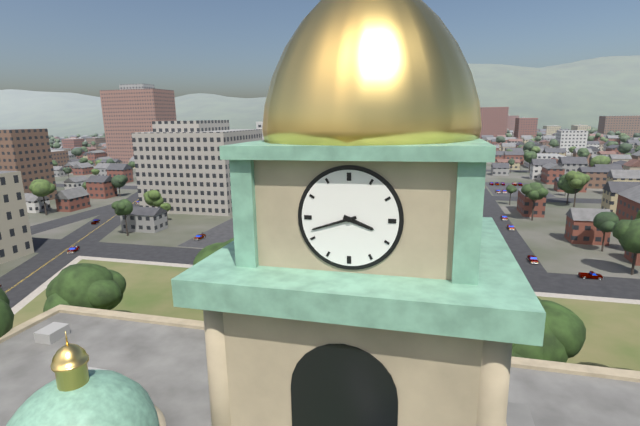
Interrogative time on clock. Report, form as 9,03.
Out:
3,42
